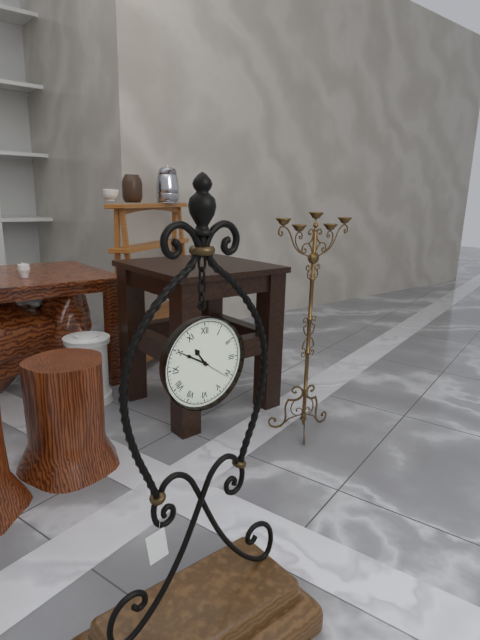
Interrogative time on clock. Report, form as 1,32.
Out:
10,50
